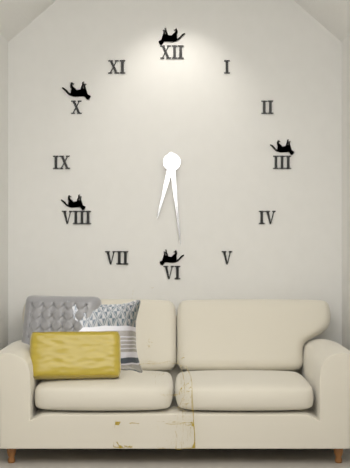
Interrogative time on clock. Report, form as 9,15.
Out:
6,29
